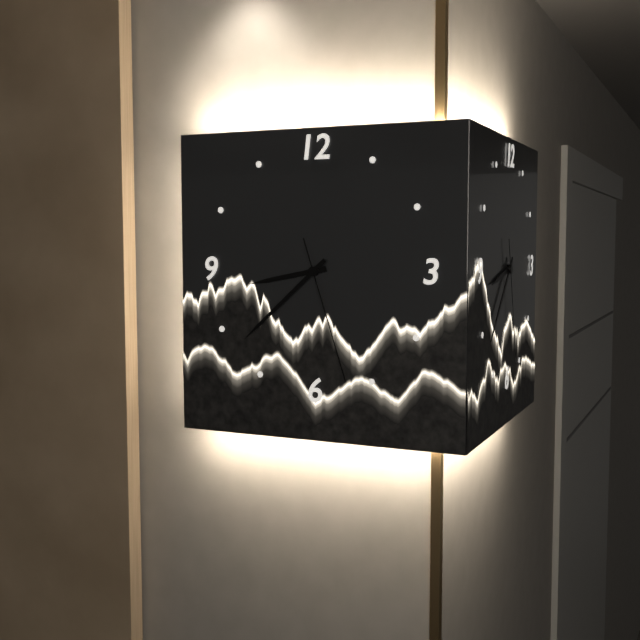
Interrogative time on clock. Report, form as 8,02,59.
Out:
8,38,27
